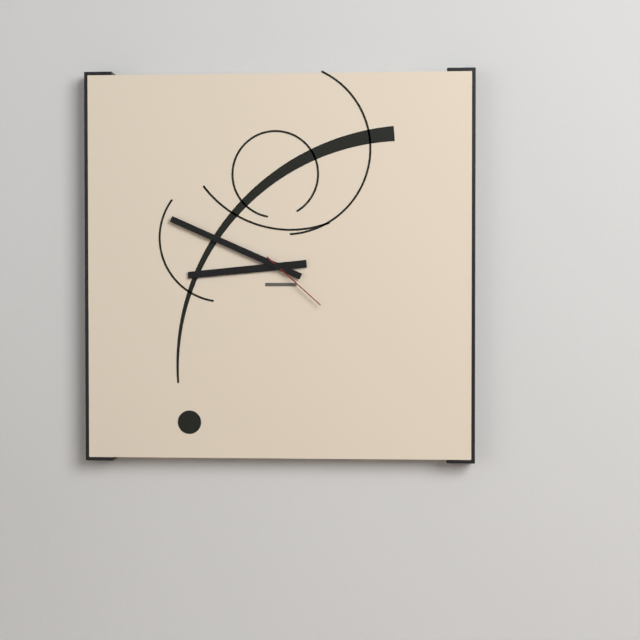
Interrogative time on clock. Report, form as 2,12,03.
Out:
8,49,22
